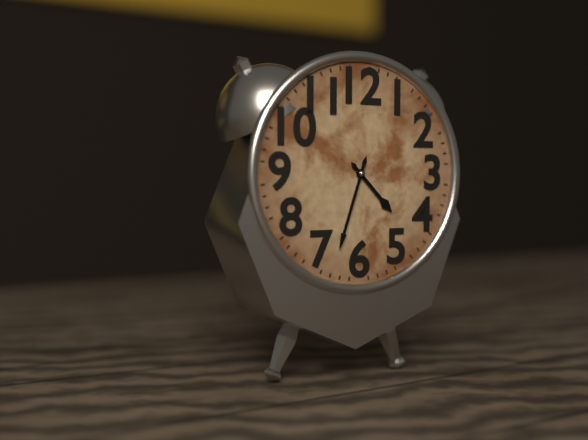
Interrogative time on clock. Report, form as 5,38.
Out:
4,33
